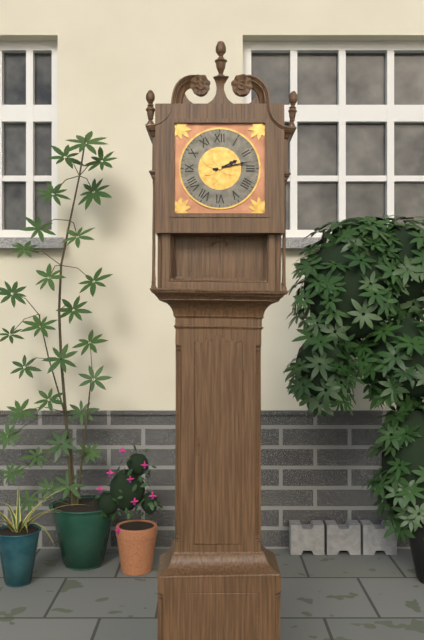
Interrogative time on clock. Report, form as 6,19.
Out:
2,13
